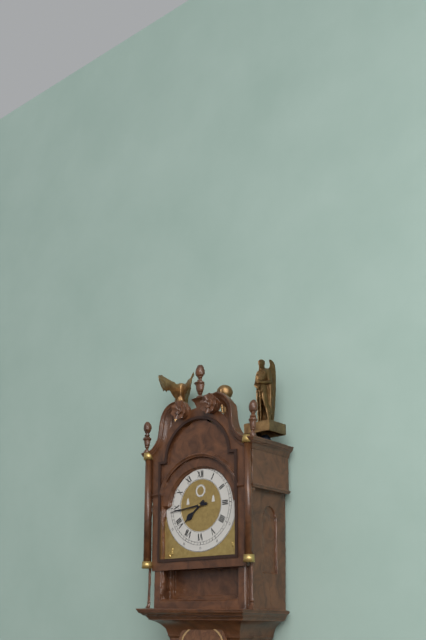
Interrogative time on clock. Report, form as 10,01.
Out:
7,44
